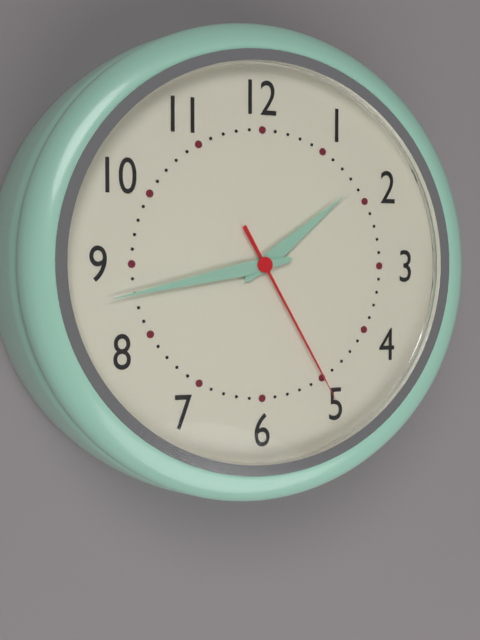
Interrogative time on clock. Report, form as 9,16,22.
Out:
1,43,25
